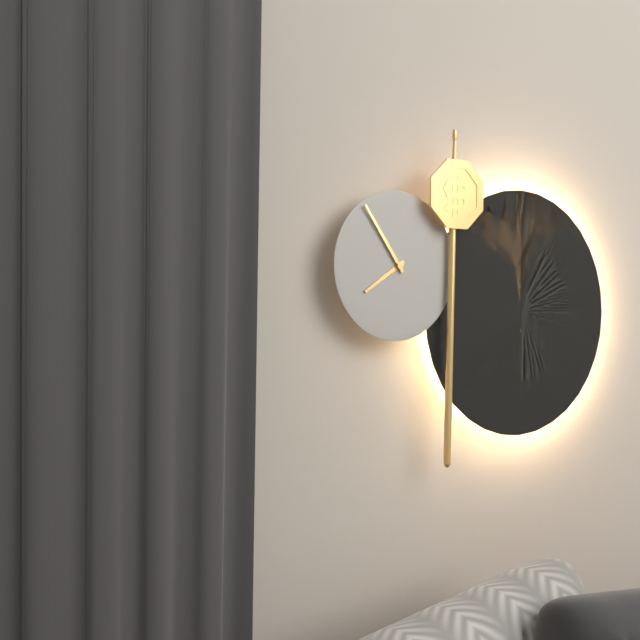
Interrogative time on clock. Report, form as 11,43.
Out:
7,54
